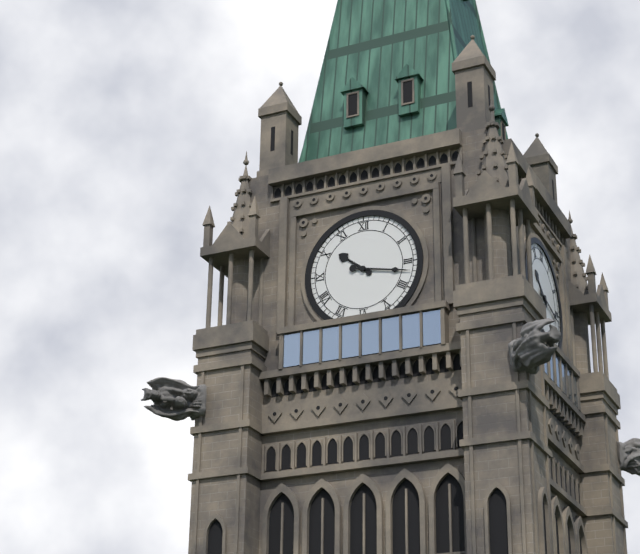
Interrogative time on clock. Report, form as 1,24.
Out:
10,17
